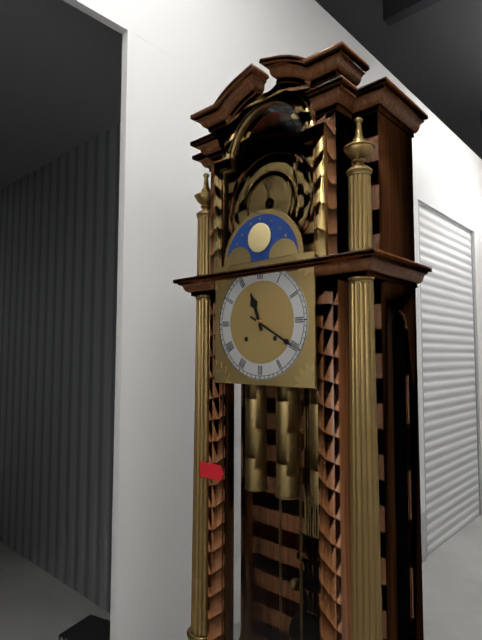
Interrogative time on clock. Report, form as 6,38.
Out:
11,20
